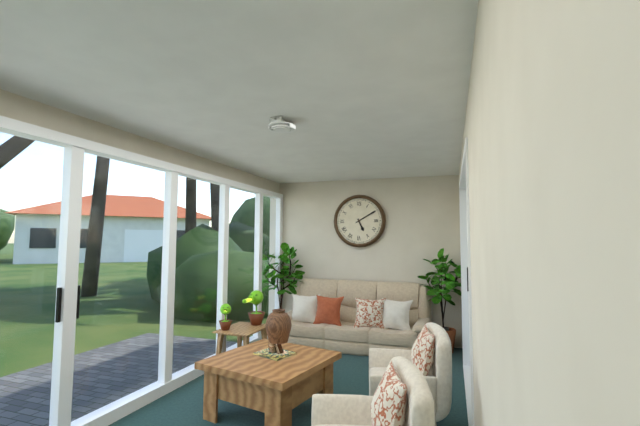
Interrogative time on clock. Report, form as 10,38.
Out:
5,10
